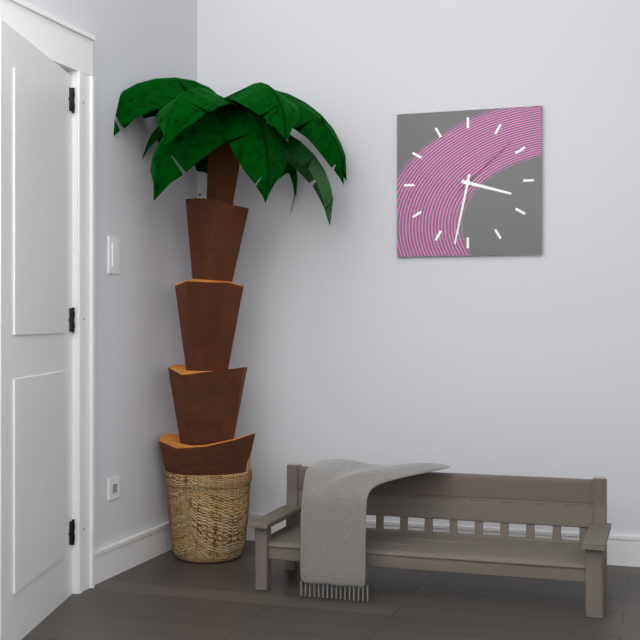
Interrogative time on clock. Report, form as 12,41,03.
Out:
3,32,08
